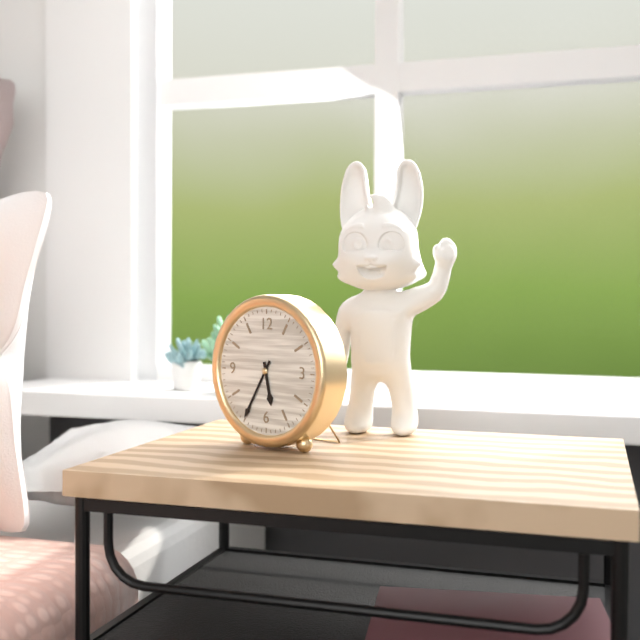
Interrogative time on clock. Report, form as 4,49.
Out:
5,35
